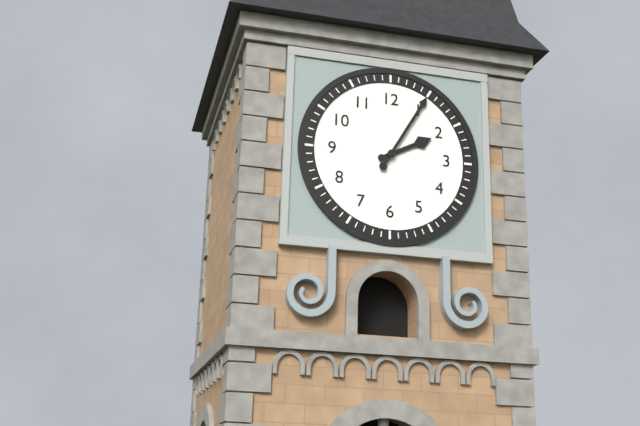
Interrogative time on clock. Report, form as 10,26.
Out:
2,05
